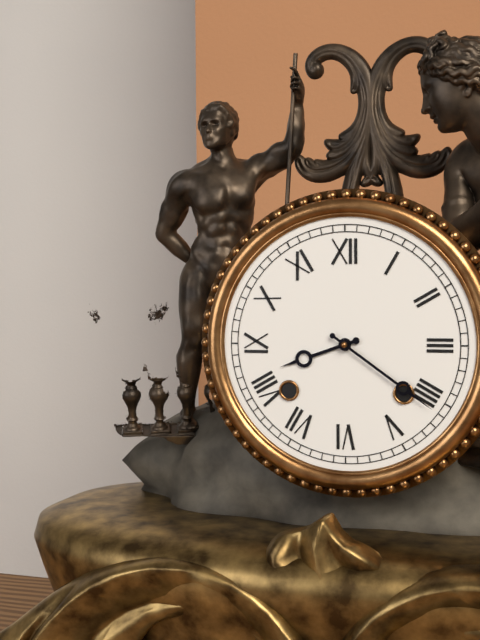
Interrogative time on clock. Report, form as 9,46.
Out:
8,21
